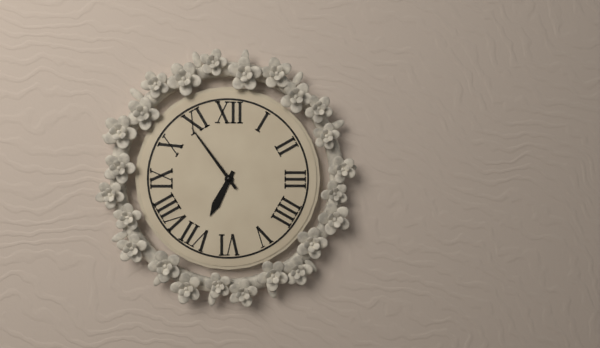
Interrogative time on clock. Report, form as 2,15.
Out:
6,54
